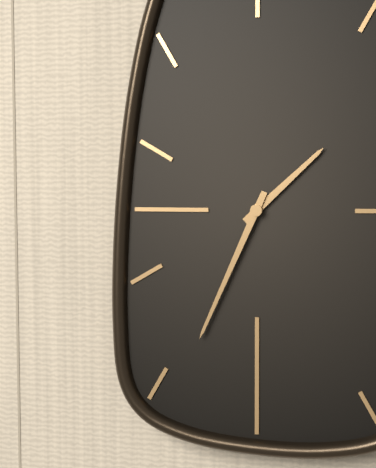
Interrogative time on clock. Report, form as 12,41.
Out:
1,34
